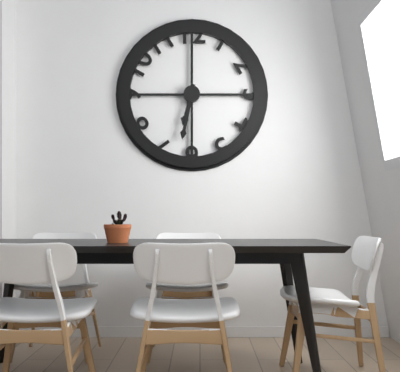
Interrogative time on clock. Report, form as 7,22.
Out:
6,32
